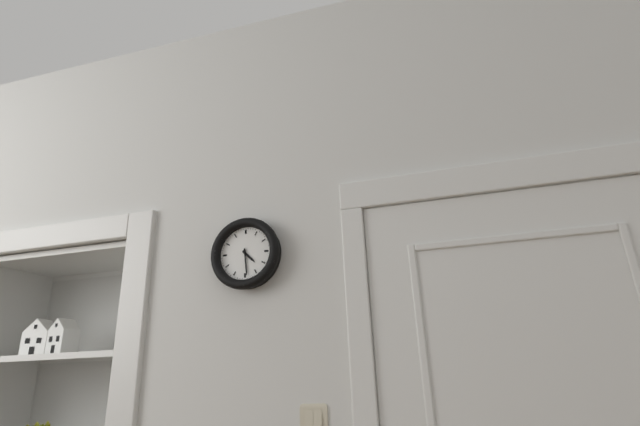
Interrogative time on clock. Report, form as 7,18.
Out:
4,29
